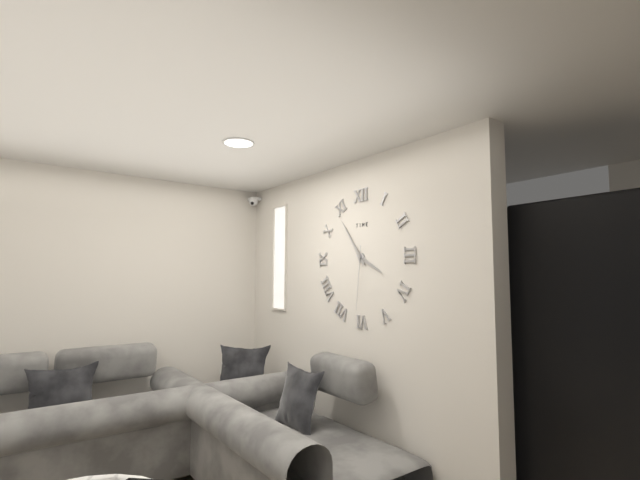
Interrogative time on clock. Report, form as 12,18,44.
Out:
3,54,31
